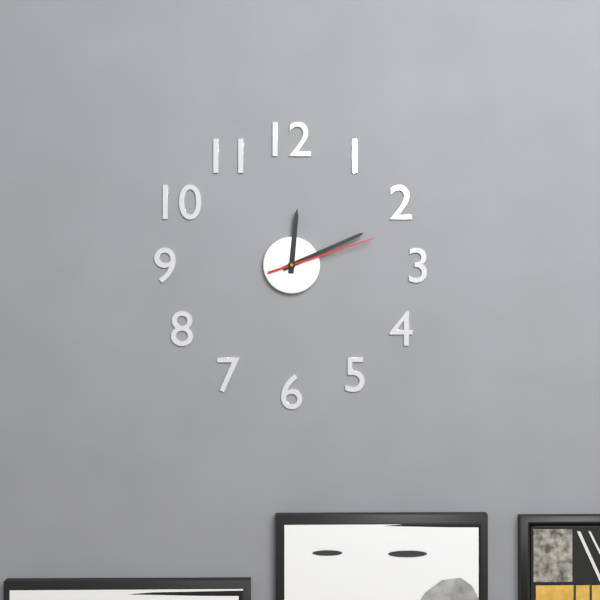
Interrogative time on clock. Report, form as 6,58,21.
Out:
12,11,12
